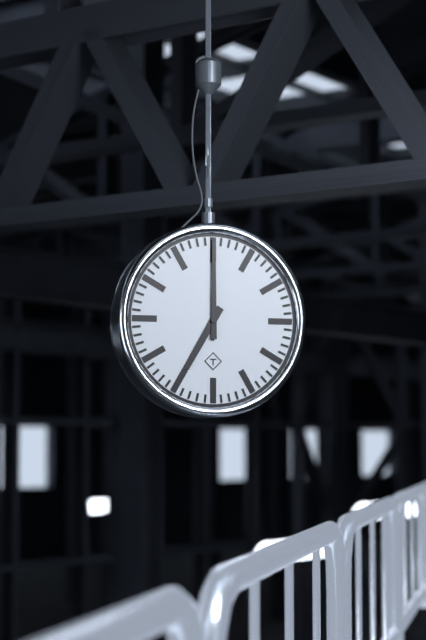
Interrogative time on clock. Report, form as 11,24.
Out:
7,00
